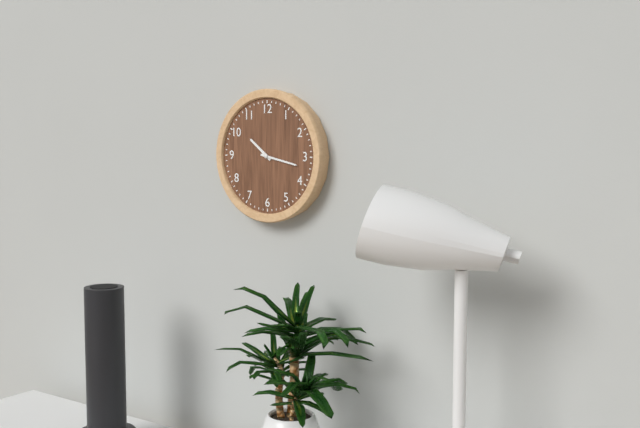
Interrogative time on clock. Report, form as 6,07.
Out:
10,17
